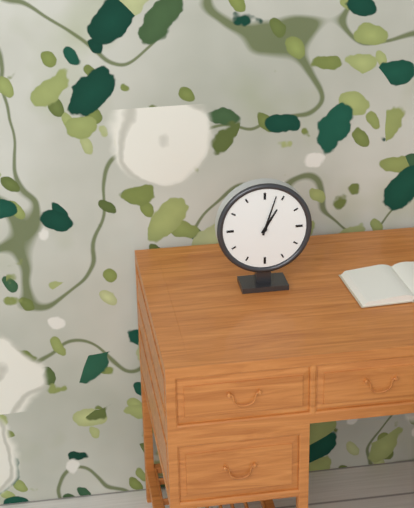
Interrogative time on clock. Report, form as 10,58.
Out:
1,03
